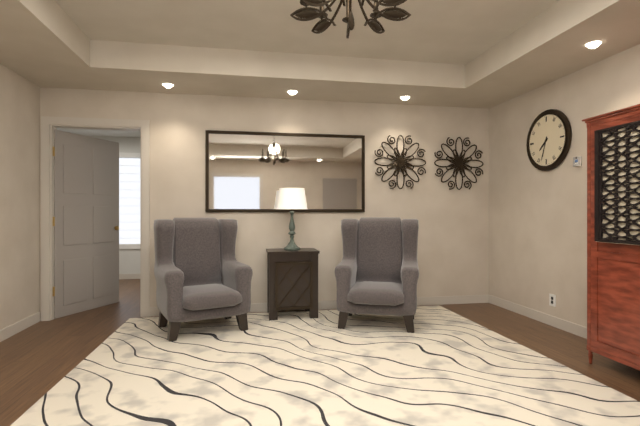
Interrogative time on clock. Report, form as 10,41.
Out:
7,33
